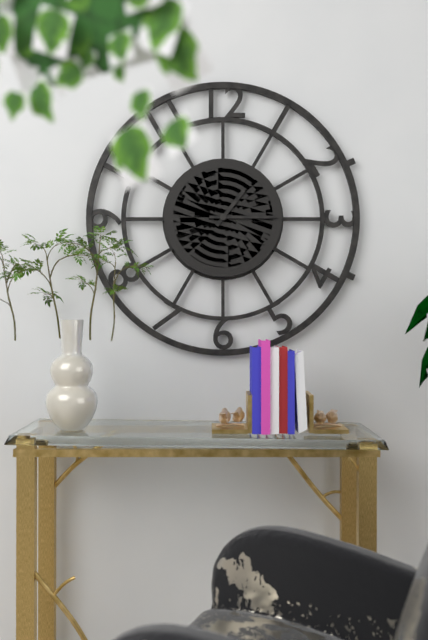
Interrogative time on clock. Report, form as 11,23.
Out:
1,15
